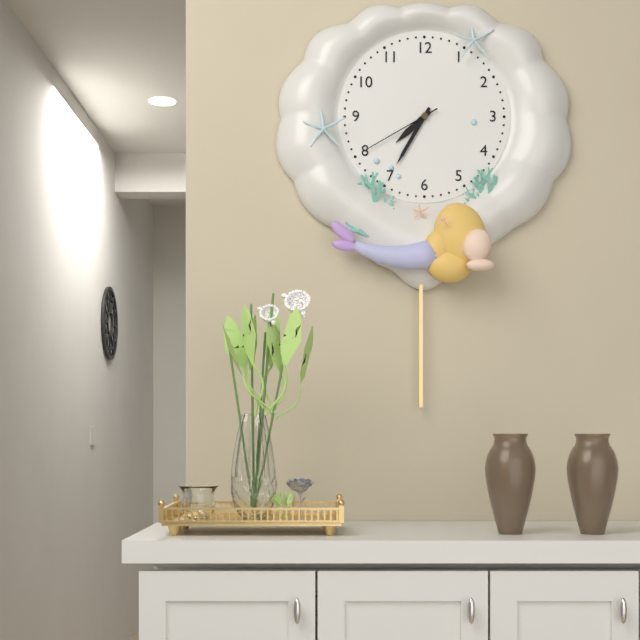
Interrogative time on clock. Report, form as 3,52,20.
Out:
7,35,40
